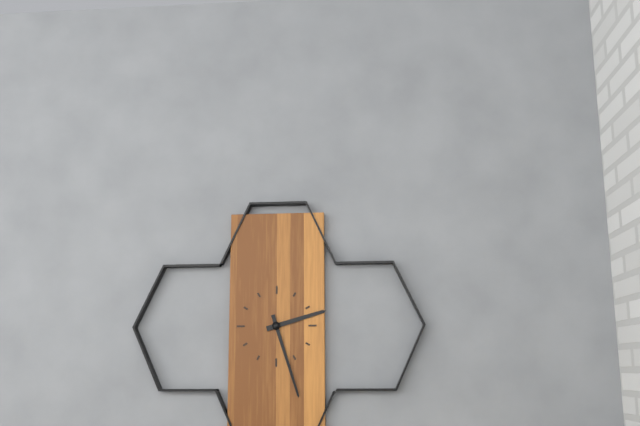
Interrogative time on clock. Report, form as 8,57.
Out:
2,27
